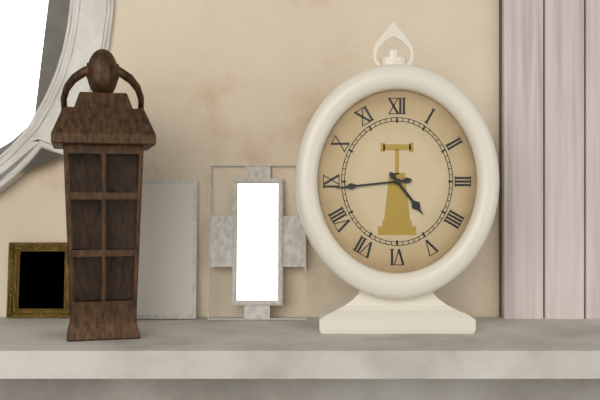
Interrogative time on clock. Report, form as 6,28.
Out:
4,44
